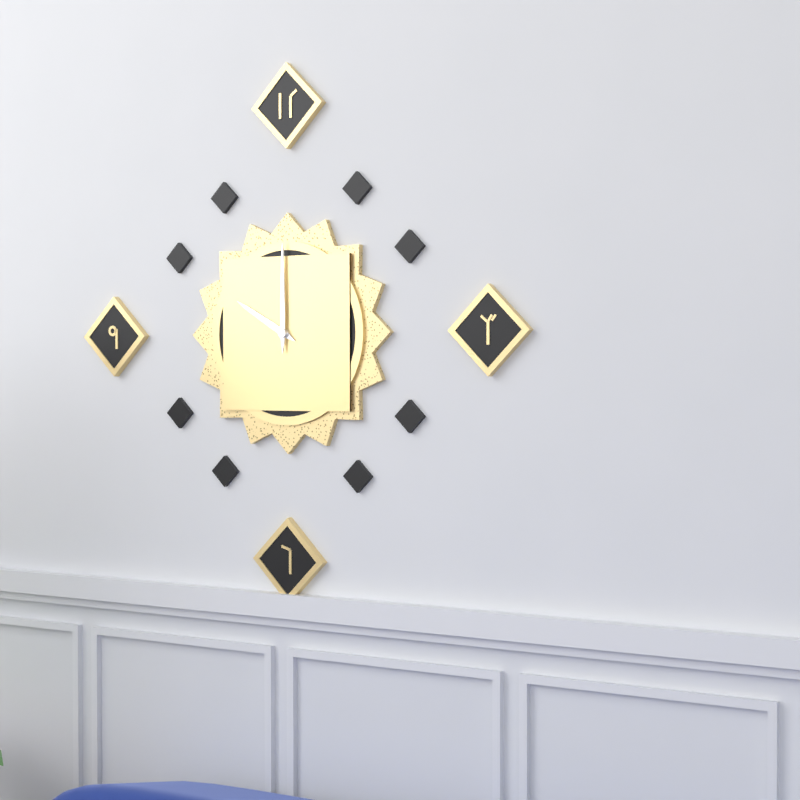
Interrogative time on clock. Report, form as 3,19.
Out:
10,00
